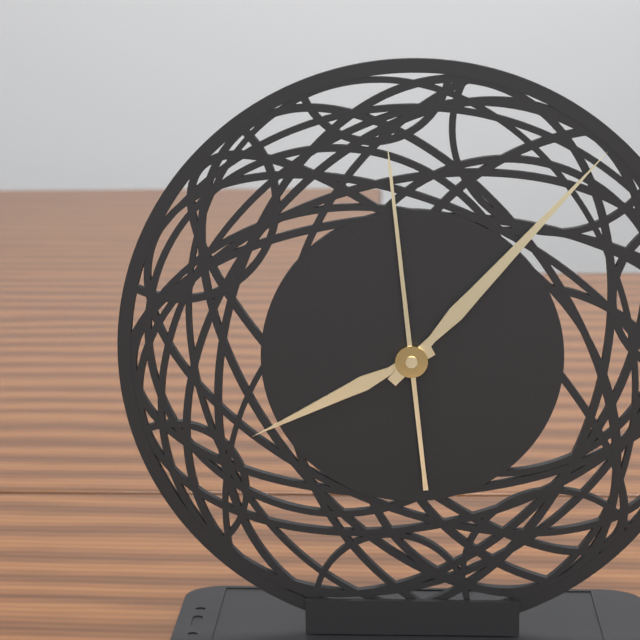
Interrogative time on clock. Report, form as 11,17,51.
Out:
8,07,59
